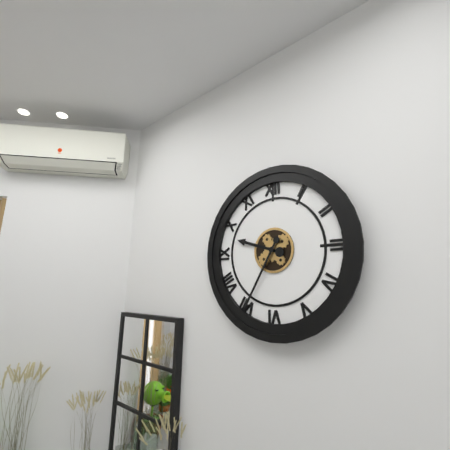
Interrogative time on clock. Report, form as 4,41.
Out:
9,35
